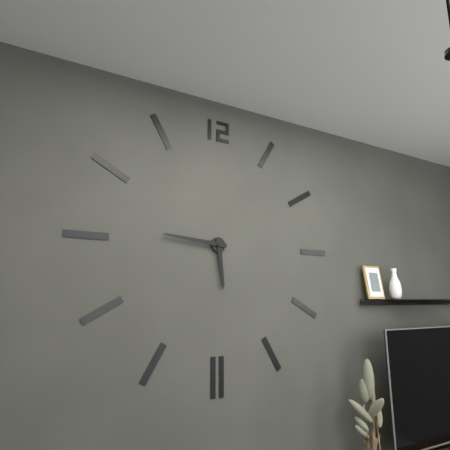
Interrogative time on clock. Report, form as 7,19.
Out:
5,46
